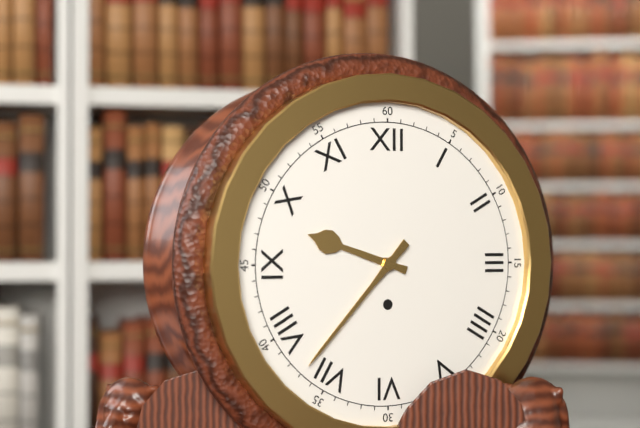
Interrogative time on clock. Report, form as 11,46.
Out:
9,37
